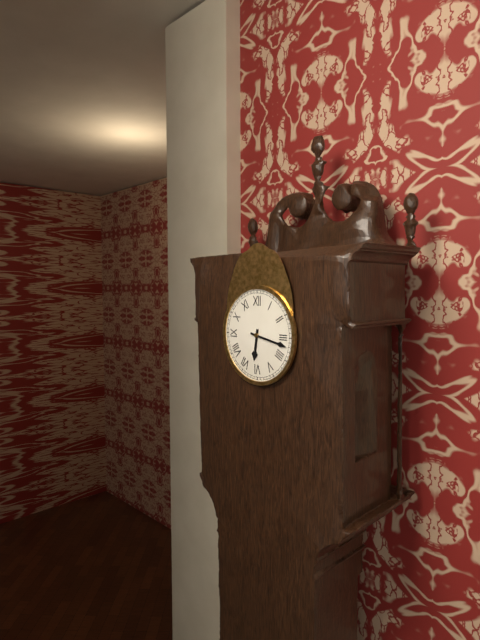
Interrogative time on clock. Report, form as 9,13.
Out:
6,17
